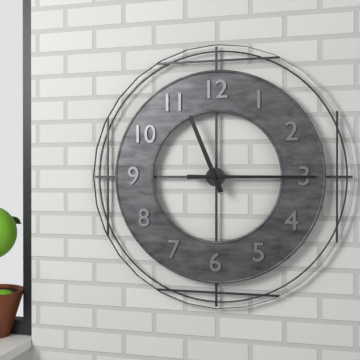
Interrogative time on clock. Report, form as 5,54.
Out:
11,15
